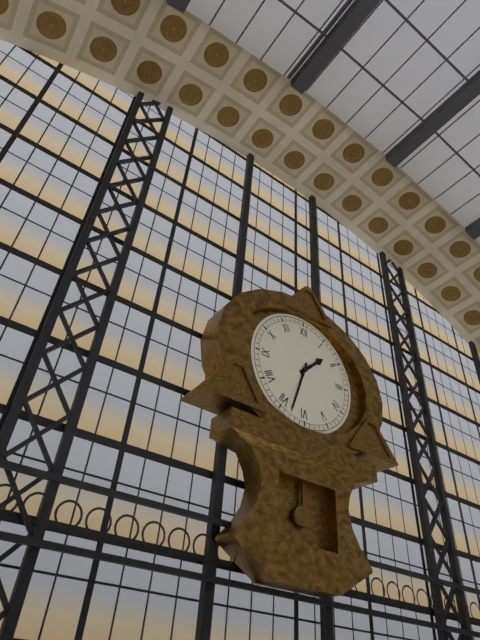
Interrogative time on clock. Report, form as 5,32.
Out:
1,33
